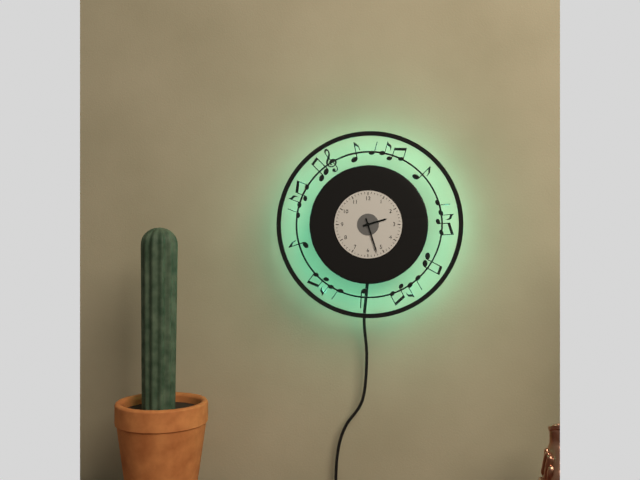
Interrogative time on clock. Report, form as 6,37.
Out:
2,27
